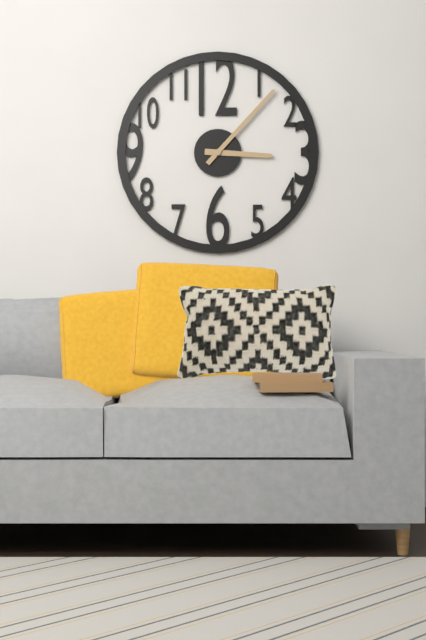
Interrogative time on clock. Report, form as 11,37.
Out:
3,07
